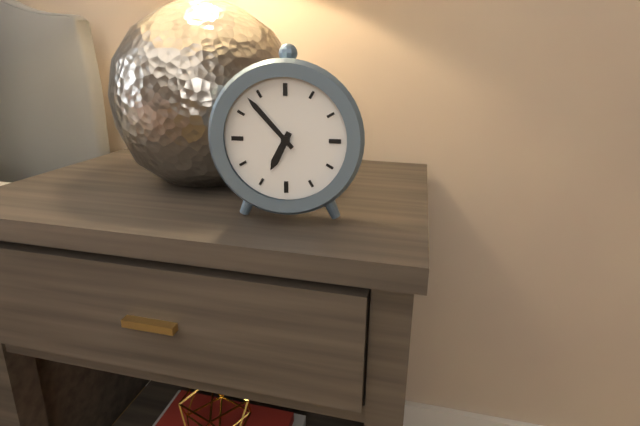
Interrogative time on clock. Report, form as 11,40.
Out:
6,53
